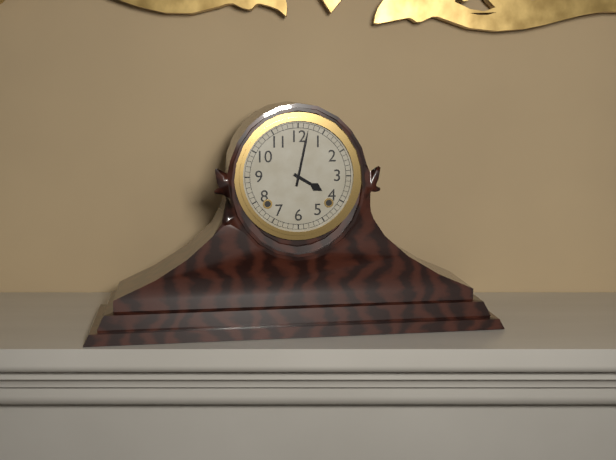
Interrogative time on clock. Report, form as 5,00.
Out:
4,02
